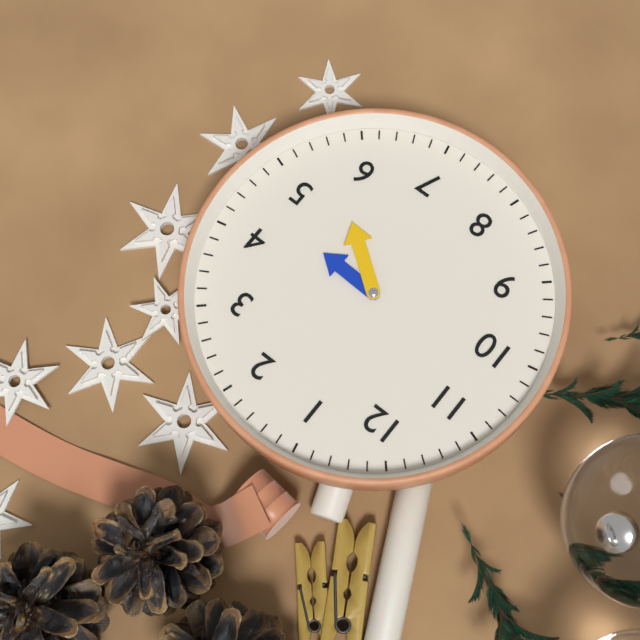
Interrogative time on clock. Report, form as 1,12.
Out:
4,28
